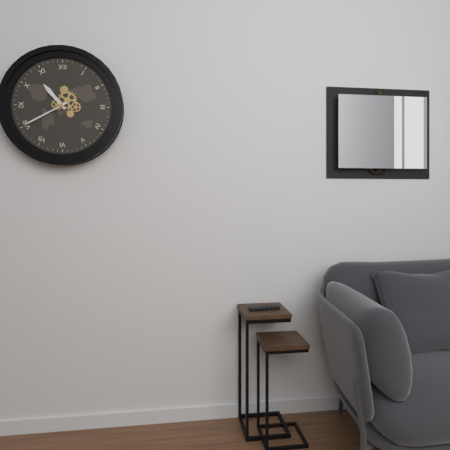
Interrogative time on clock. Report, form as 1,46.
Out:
10,40
